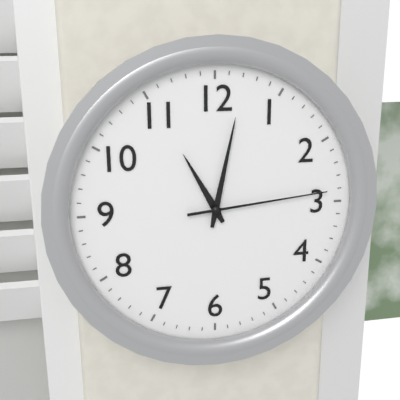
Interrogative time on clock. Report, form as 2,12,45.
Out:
11,02,14
